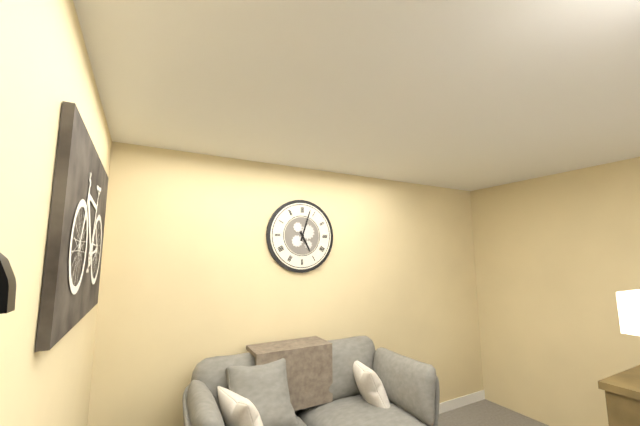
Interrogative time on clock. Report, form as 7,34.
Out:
5,03
